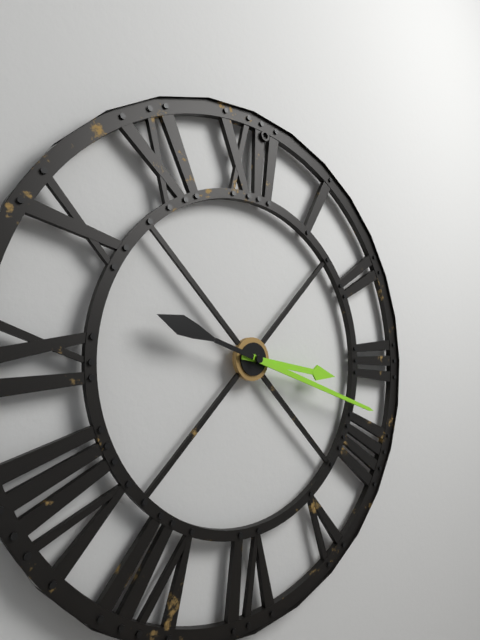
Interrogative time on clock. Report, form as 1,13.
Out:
3,18
